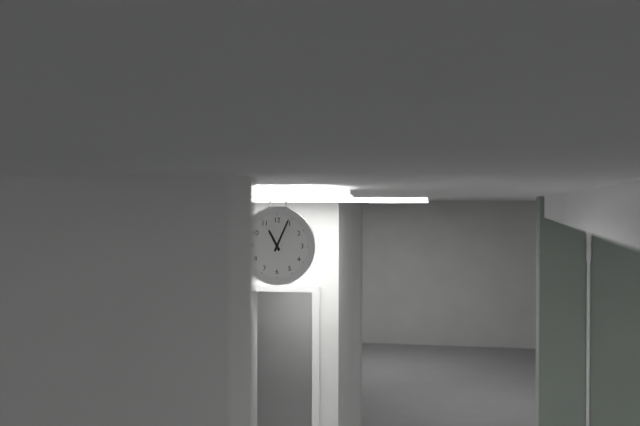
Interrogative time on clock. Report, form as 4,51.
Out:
11,04
